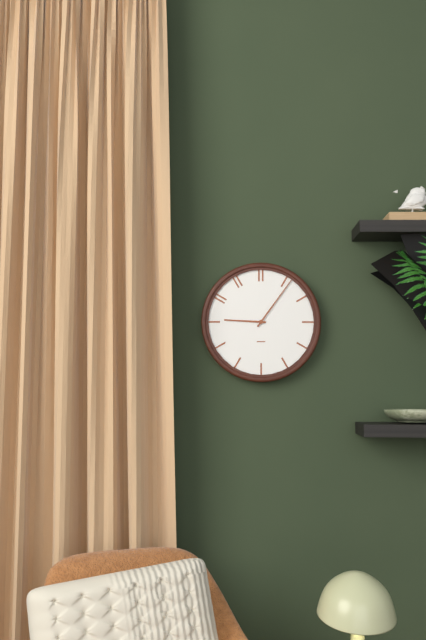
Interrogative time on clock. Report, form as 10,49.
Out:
9,06
